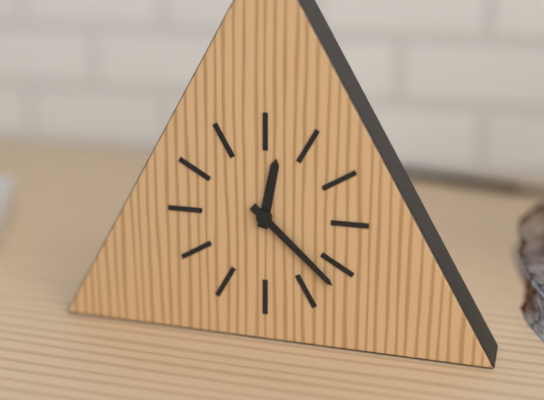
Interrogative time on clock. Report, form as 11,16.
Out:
12,22
